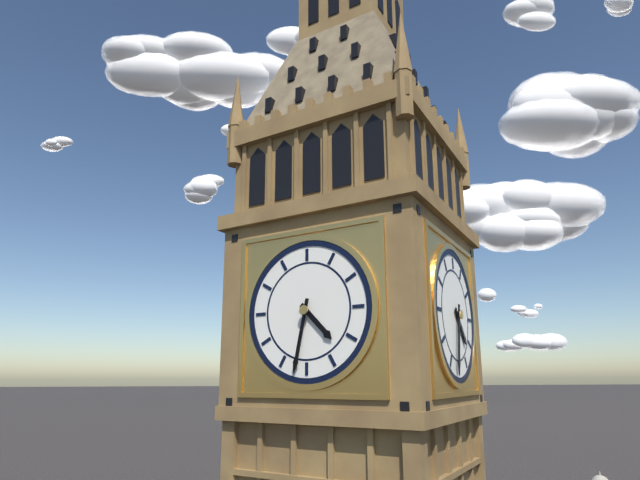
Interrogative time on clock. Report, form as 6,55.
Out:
4,32
